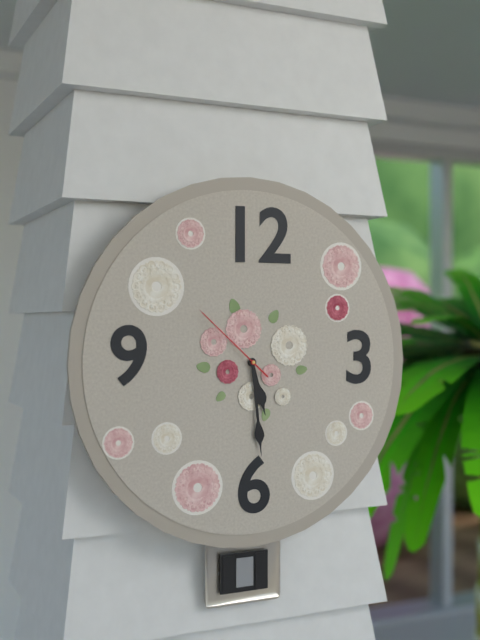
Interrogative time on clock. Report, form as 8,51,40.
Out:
5,29,52
